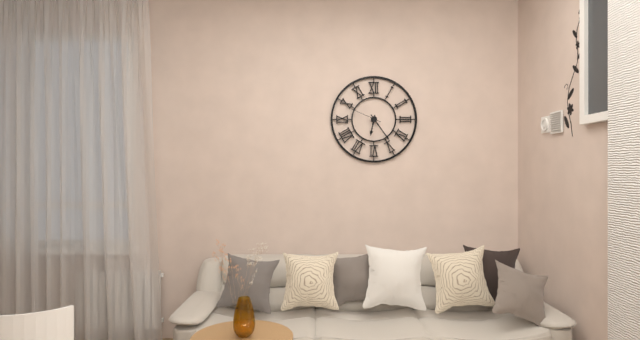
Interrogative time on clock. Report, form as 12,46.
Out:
6,24
